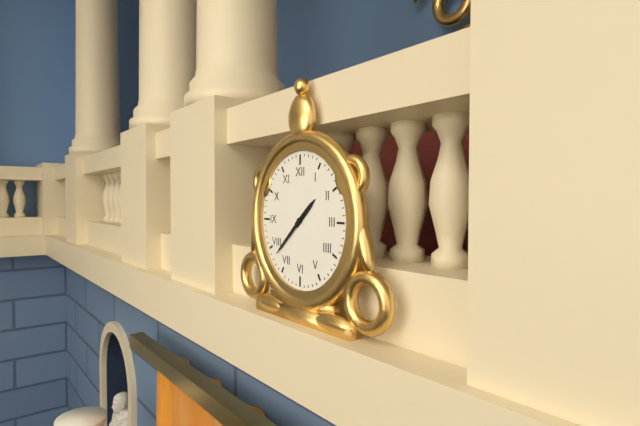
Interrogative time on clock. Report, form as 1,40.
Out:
1,38
